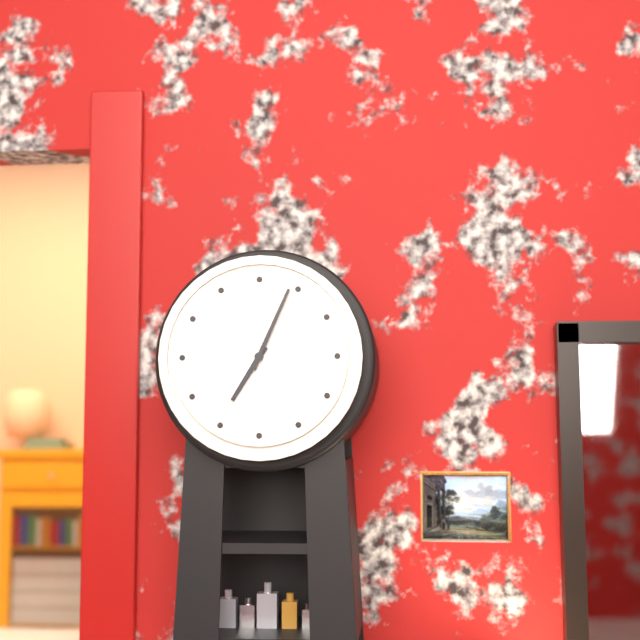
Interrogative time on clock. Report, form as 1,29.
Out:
7,04
